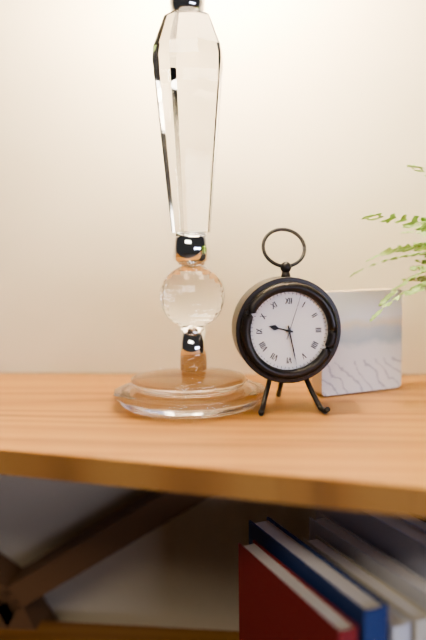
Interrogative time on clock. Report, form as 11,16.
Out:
9,28
